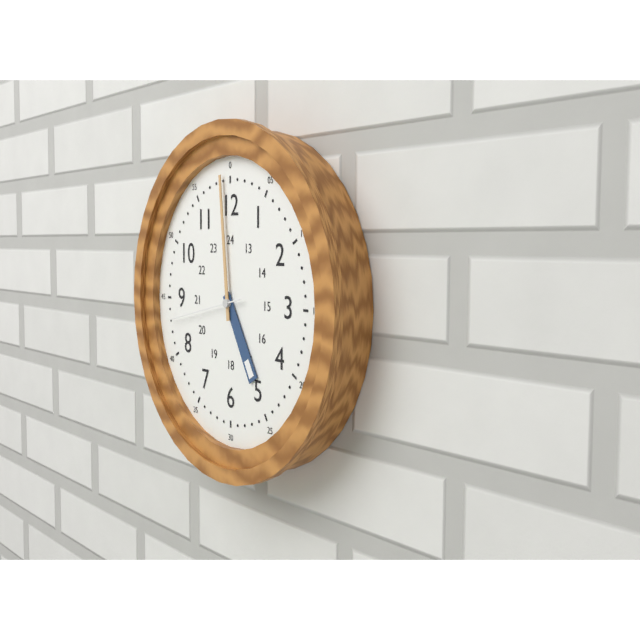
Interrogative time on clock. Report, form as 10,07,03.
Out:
4,59,43
